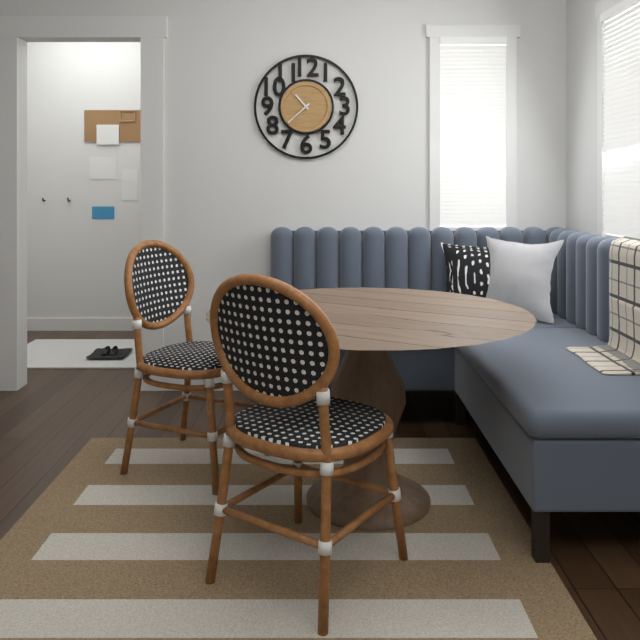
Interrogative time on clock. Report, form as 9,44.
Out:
10,38
